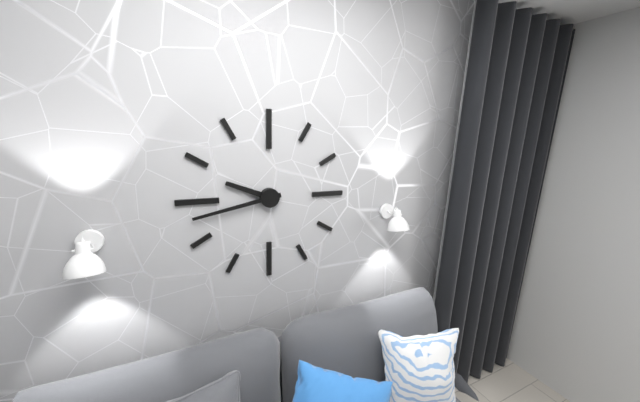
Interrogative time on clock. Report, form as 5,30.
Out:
9,43
